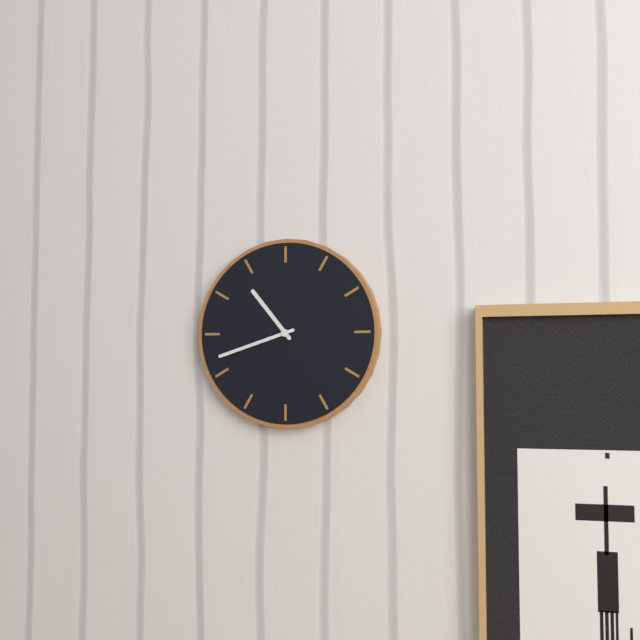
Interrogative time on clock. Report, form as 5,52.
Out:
10,42
